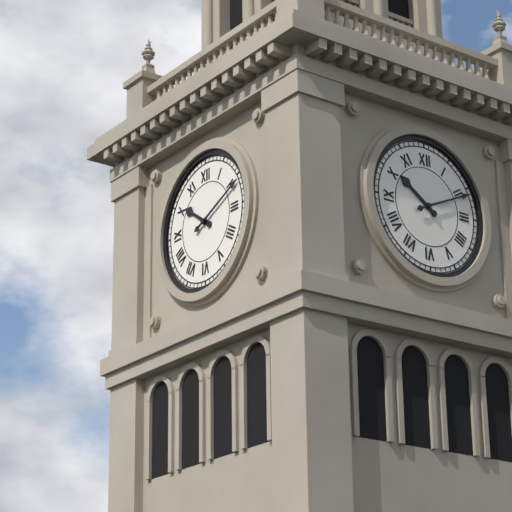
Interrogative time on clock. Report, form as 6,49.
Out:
10,11
